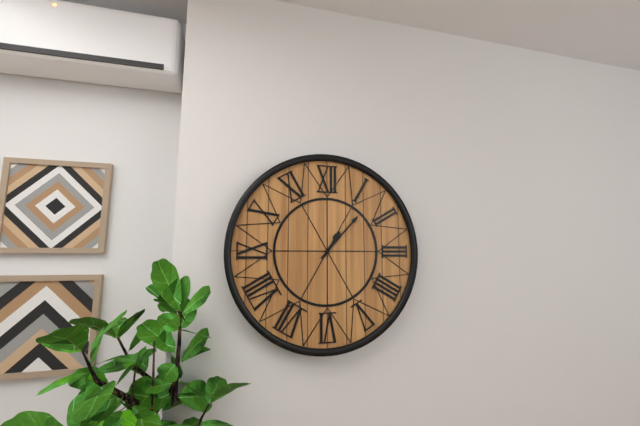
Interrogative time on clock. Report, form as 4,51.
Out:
1,07
